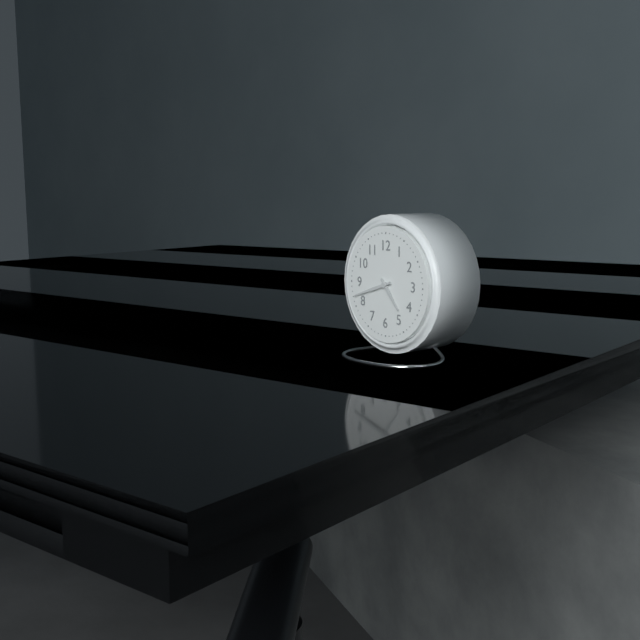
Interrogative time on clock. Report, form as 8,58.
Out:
4,42
